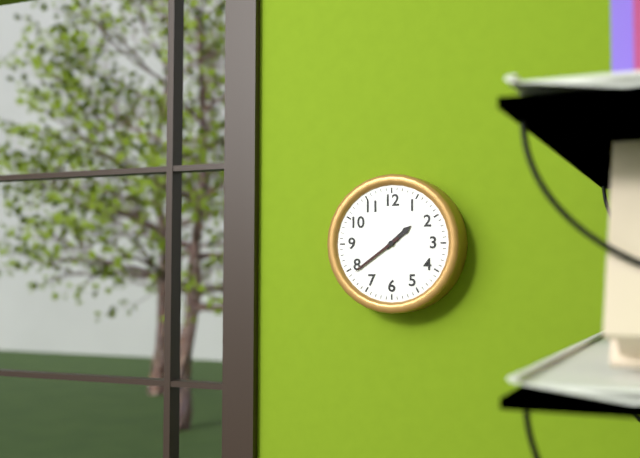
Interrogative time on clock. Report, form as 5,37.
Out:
1,39
